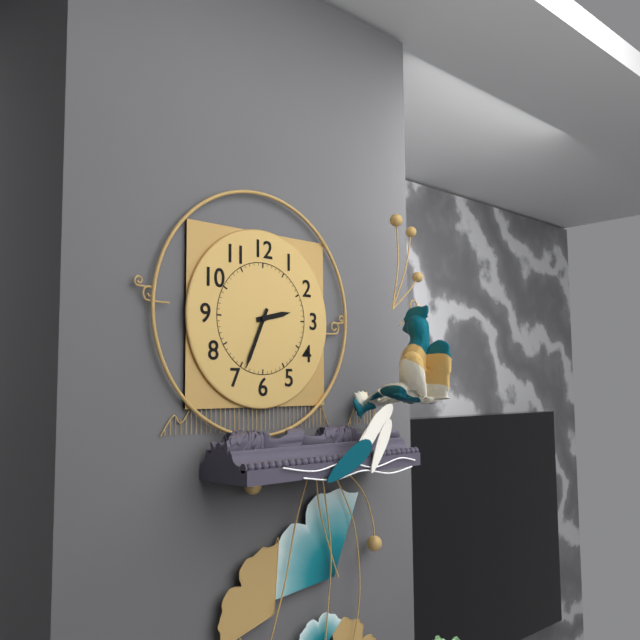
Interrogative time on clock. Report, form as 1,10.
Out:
2,34
